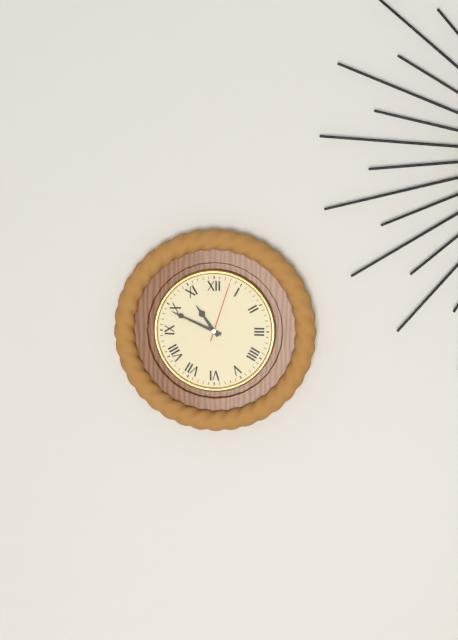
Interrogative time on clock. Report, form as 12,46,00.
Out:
10,49,03
